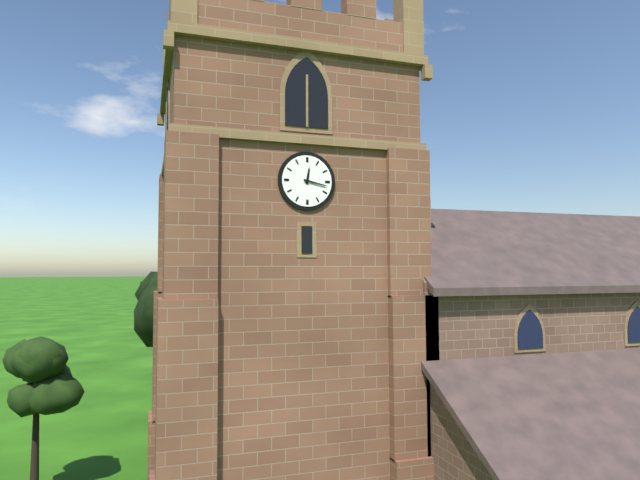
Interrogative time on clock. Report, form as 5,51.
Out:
12,17
